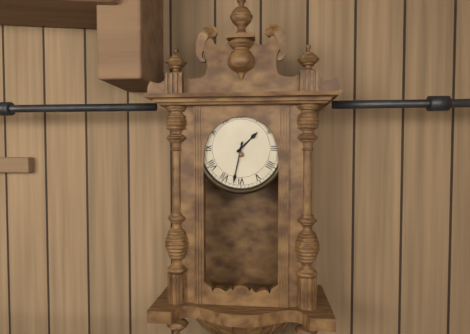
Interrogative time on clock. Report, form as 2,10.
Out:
1,32
